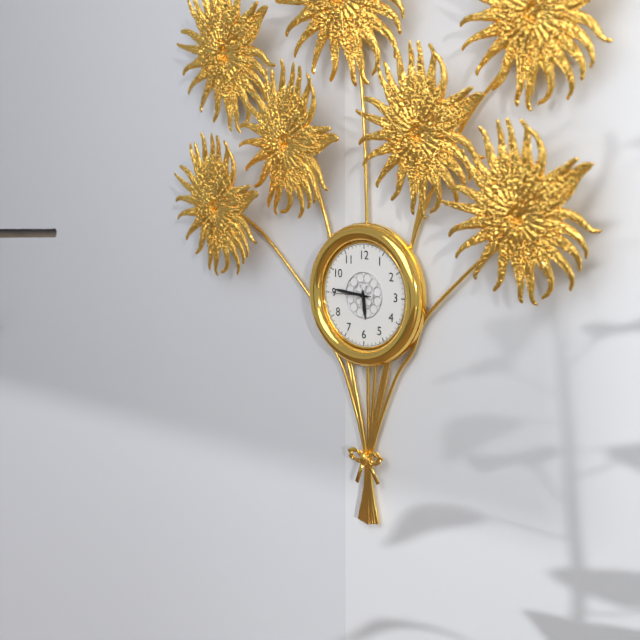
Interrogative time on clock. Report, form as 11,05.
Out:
5,46
